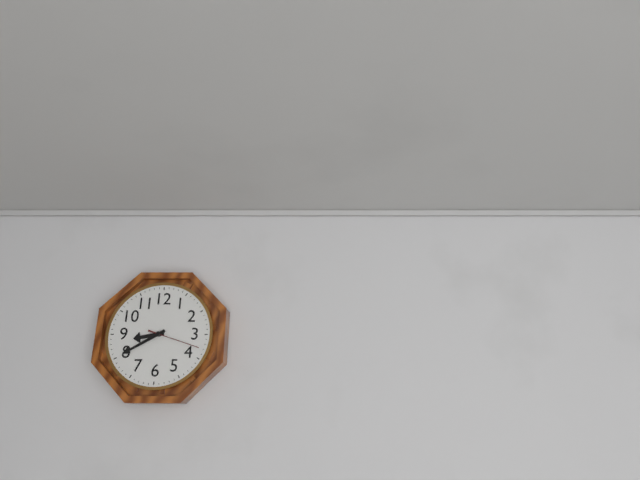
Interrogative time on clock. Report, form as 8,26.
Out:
8,40
